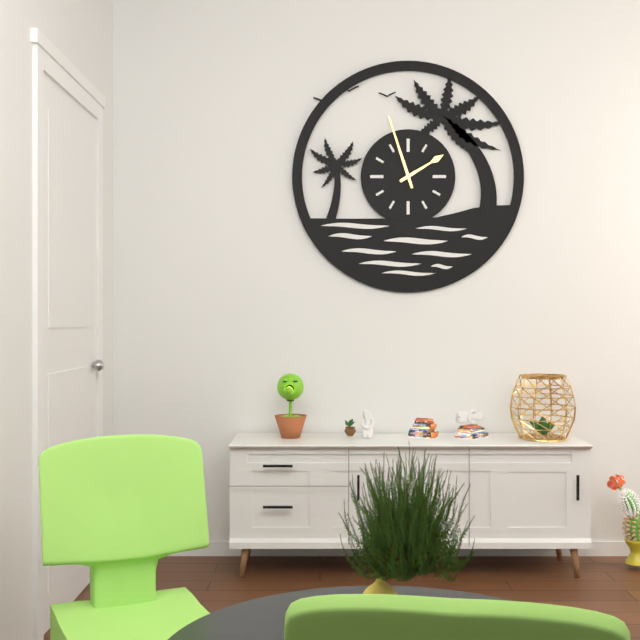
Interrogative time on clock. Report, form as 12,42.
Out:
1,57
